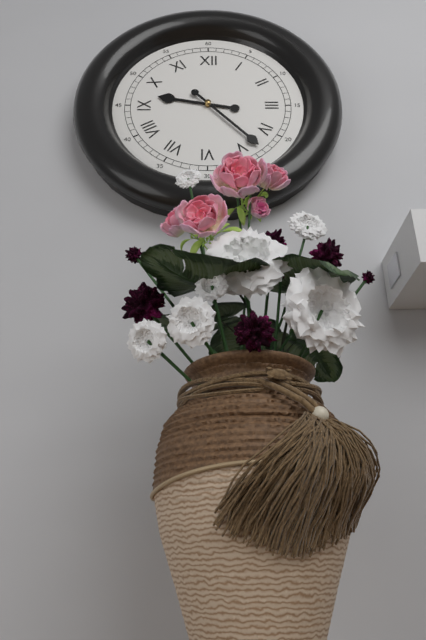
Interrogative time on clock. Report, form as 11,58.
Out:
9,23
